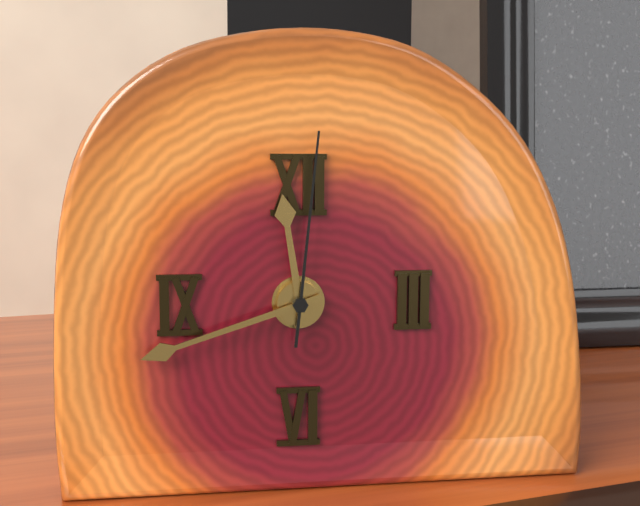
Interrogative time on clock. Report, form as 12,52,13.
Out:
11,42,01
